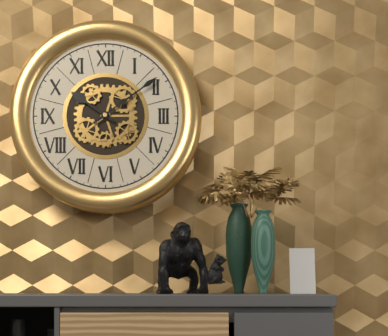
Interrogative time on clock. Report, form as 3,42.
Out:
10,09
